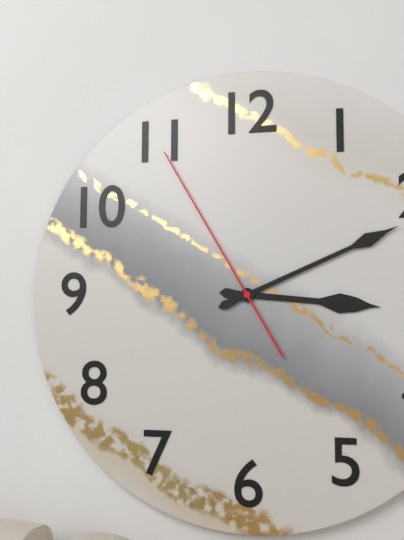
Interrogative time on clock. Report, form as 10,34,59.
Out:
3,11,55
